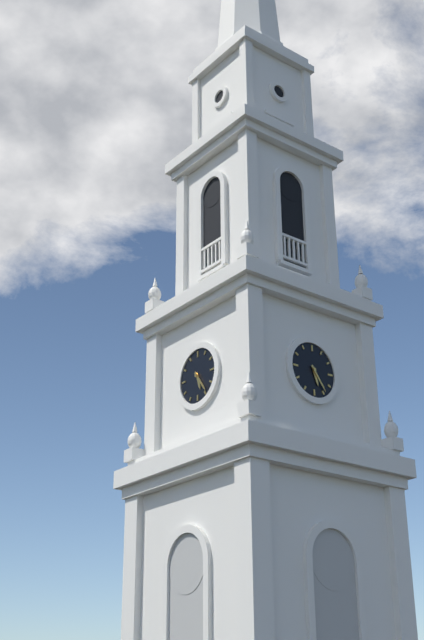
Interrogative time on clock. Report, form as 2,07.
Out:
5,24
